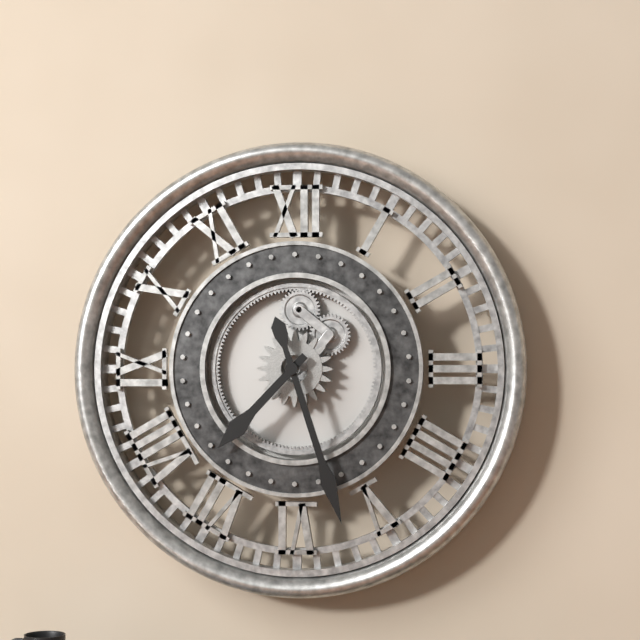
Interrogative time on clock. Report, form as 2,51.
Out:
7,27
